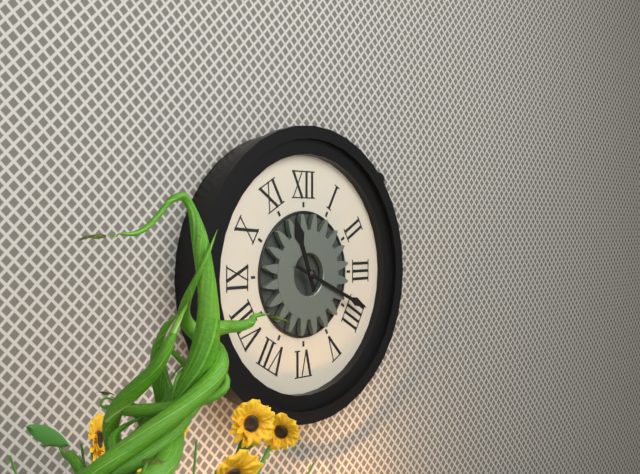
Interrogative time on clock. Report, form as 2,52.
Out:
11,19
